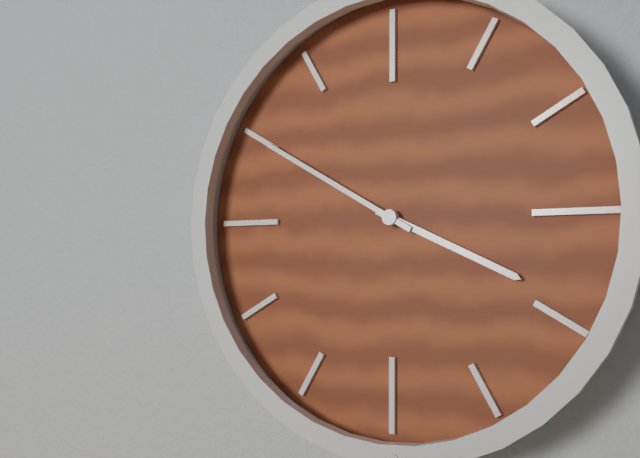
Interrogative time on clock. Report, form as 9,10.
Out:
3,50
